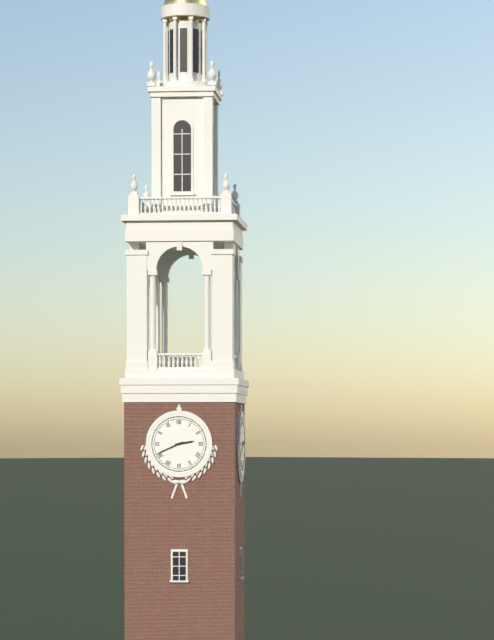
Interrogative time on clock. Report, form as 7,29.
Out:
2,41
